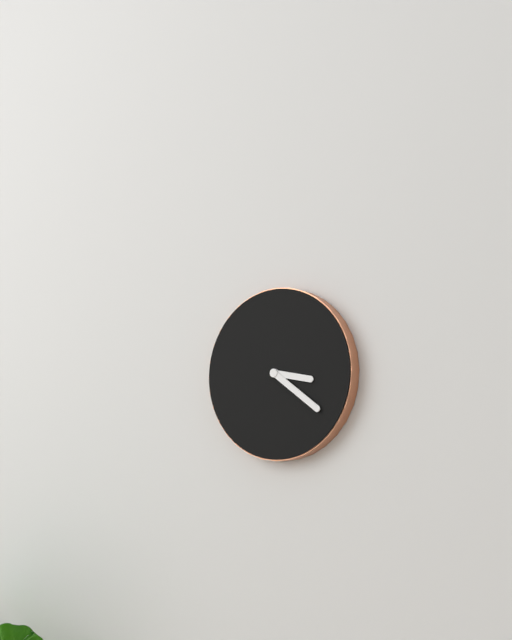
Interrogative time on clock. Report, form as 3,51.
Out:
3,21
